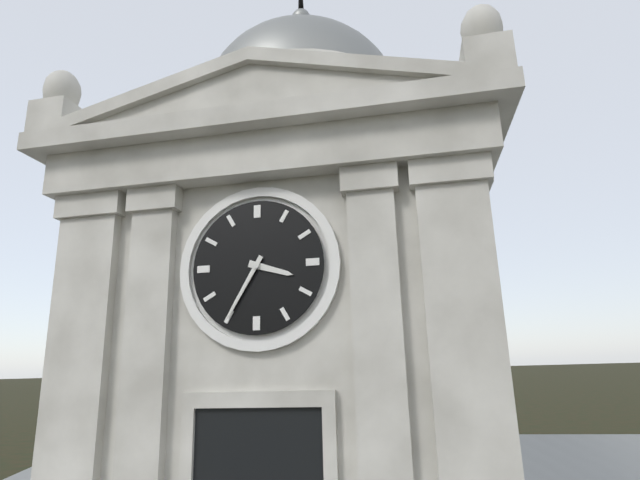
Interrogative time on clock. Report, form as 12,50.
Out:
3,35
